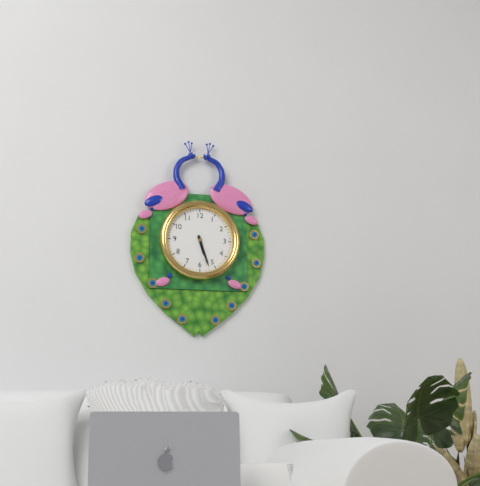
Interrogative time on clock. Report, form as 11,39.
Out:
5,27
